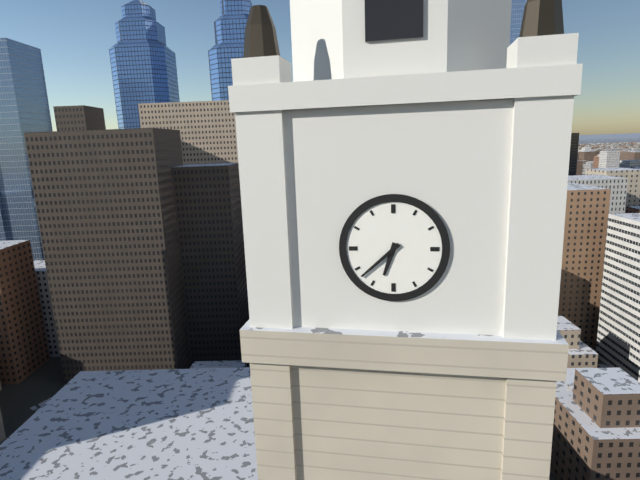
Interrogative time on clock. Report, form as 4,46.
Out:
6,38
